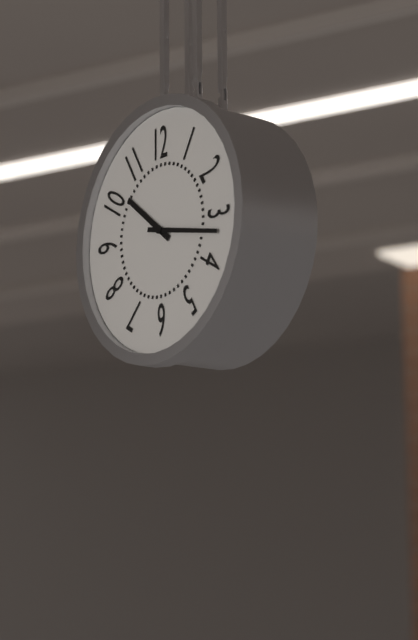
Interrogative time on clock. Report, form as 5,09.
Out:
10,17
